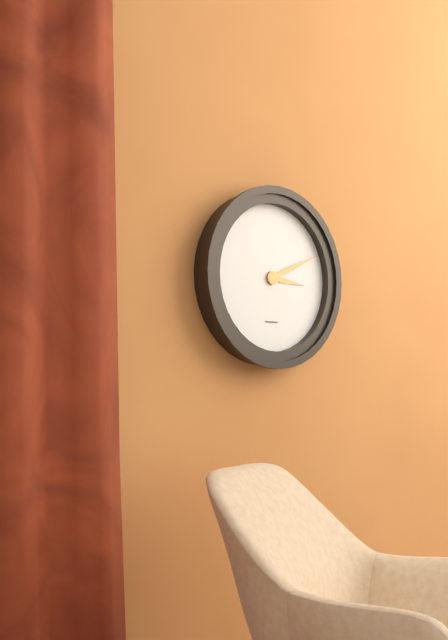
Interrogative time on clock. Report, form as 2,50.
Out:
3,11
